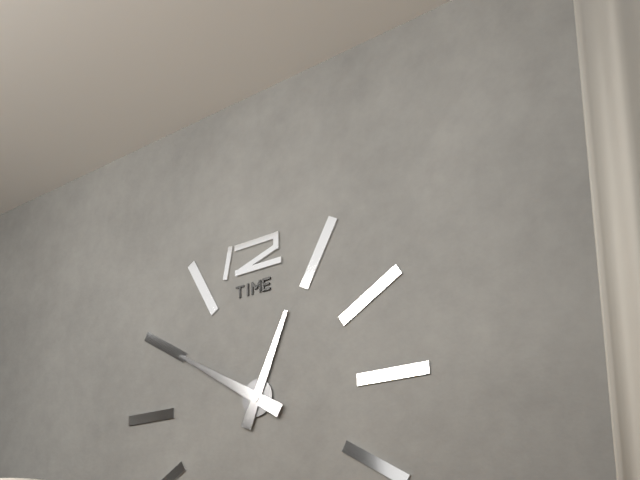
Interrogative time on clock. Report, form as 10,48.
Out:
12,50
